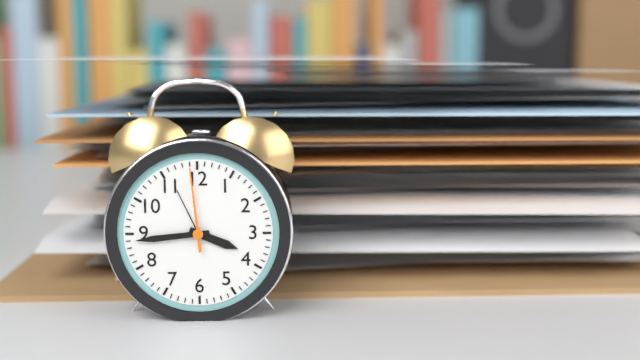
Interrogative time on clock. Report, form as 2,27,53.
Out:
3,44,59
